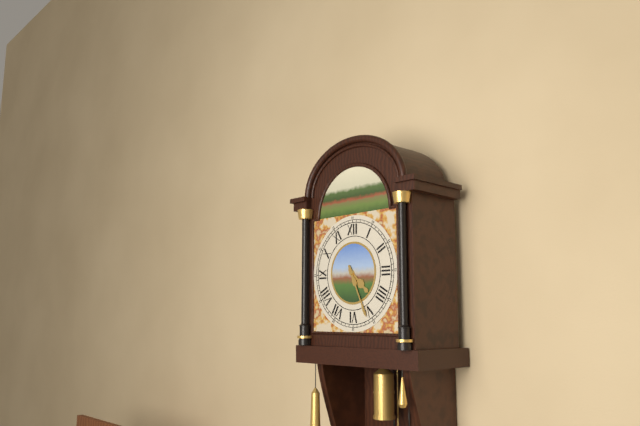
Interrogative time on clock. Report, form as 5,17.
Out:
4,26
